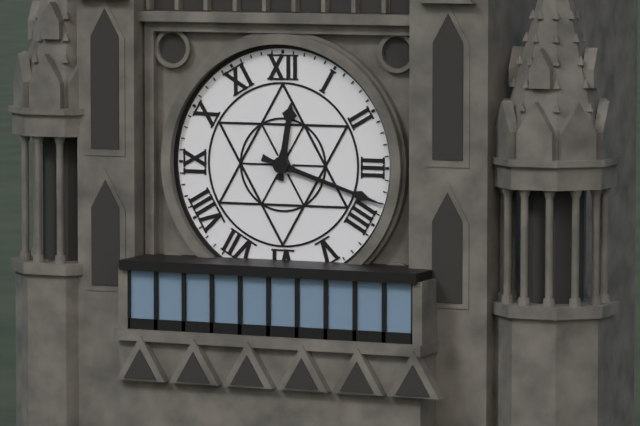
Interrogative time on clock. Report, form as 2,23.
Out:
12,18
